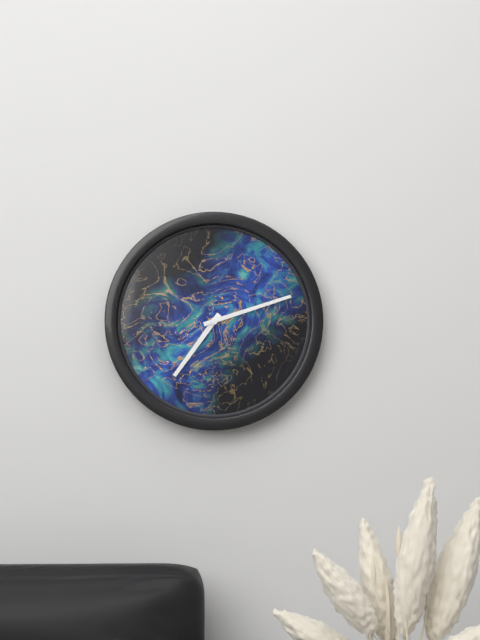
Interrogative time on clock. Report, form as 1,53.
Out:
7,12
